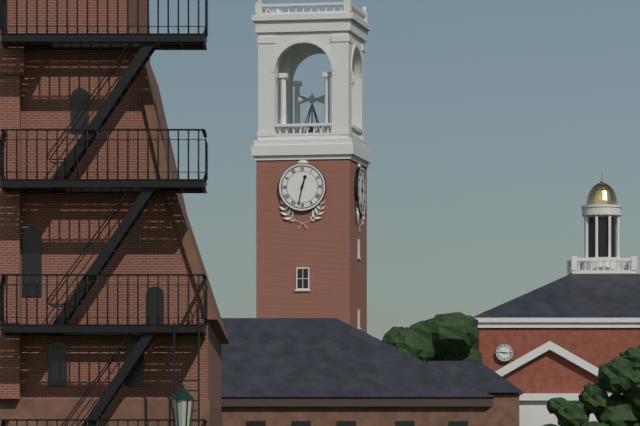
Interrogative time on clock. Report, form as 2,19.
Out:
12,32
